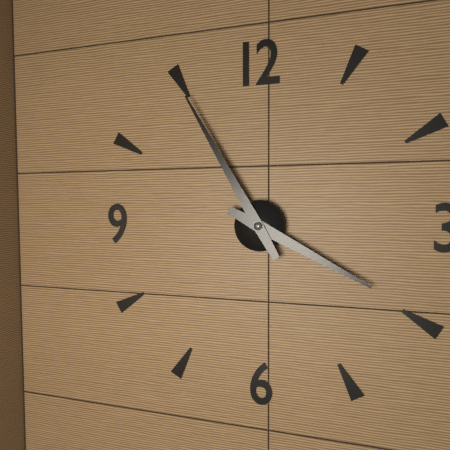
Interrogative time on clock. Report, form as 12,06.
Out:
3,55
